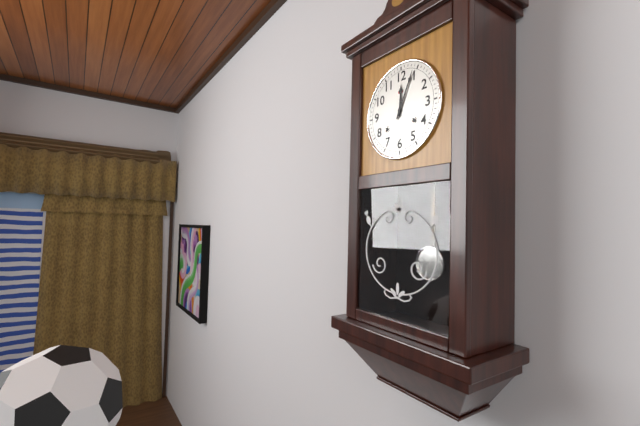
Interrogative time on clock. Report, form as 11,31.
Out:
12,04
